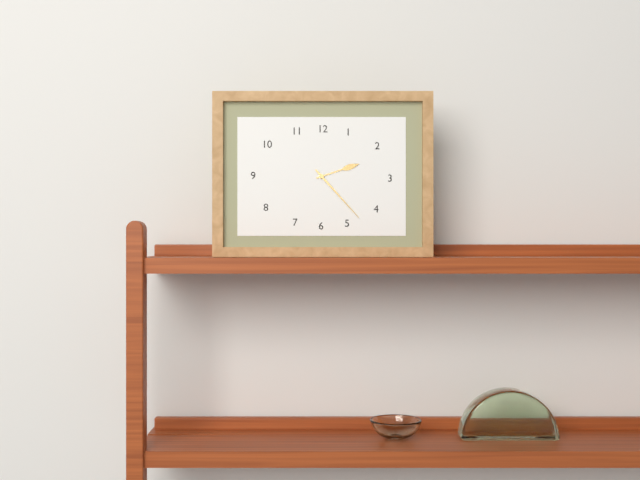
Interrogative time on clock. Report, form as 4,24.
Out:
2,23
